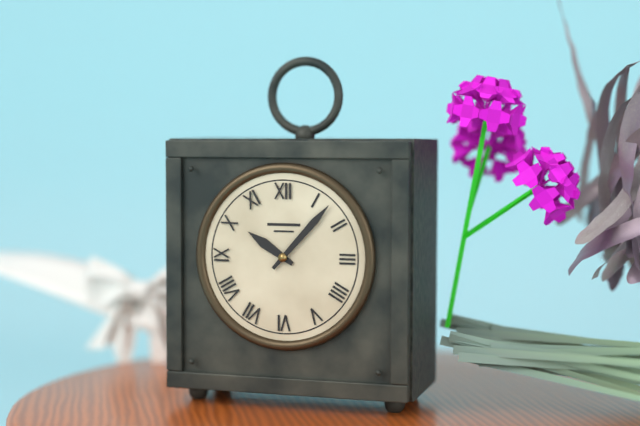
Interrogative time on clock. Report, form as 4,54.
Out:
10,07
